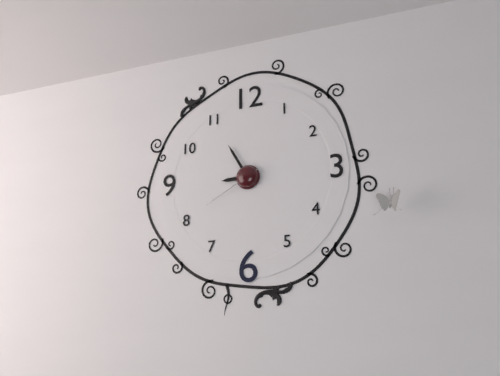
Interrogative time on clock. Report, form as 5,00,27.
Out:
8,55,40
